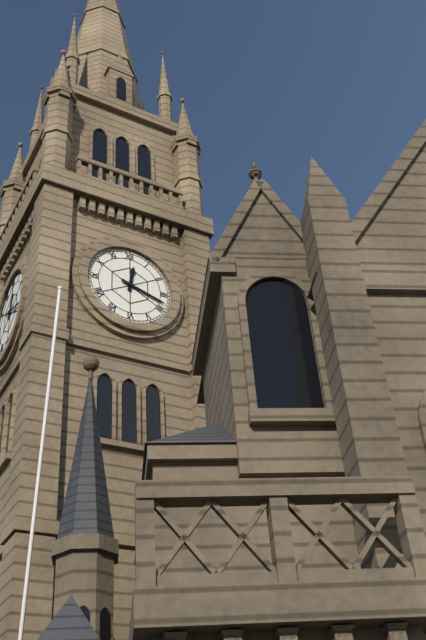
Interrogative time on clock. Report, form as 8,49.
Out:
12,18
